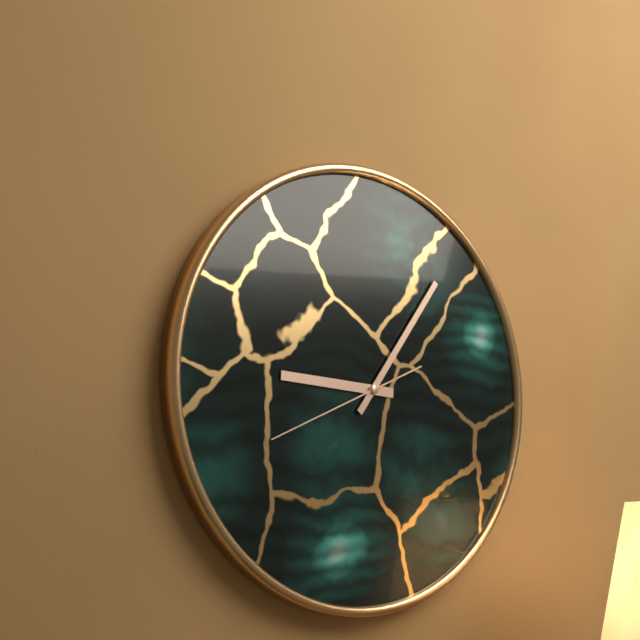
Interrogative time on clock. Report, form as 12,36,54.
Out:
9,06,41
